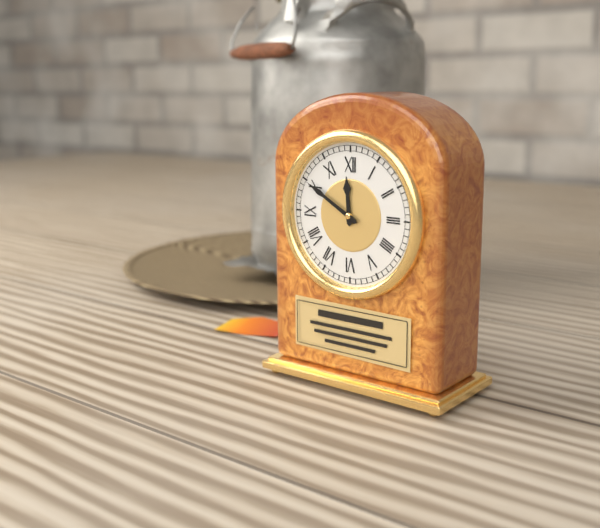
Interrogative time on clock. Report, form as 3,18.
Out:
11,50
